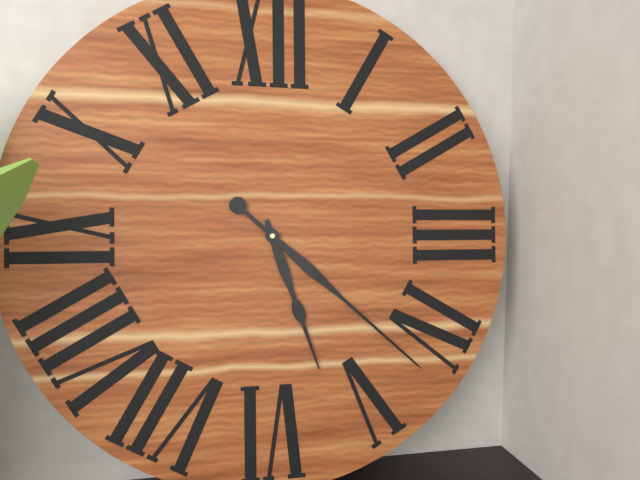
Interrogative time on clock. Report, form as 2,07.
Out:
5,22
